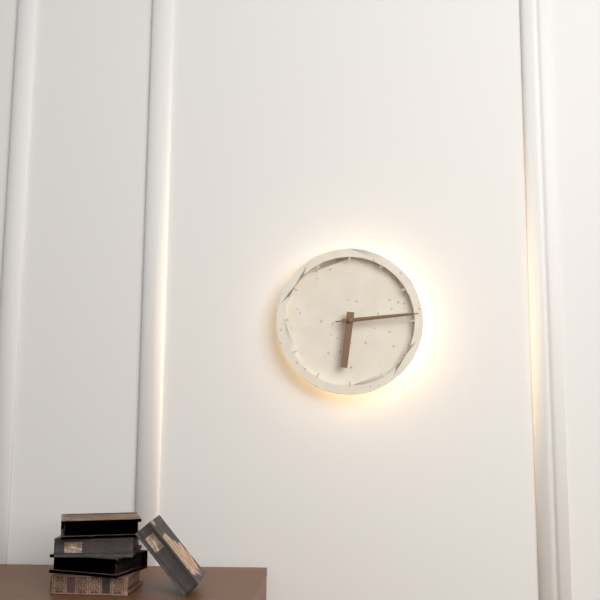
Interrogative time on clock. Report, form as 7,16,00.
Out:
6,14,14
